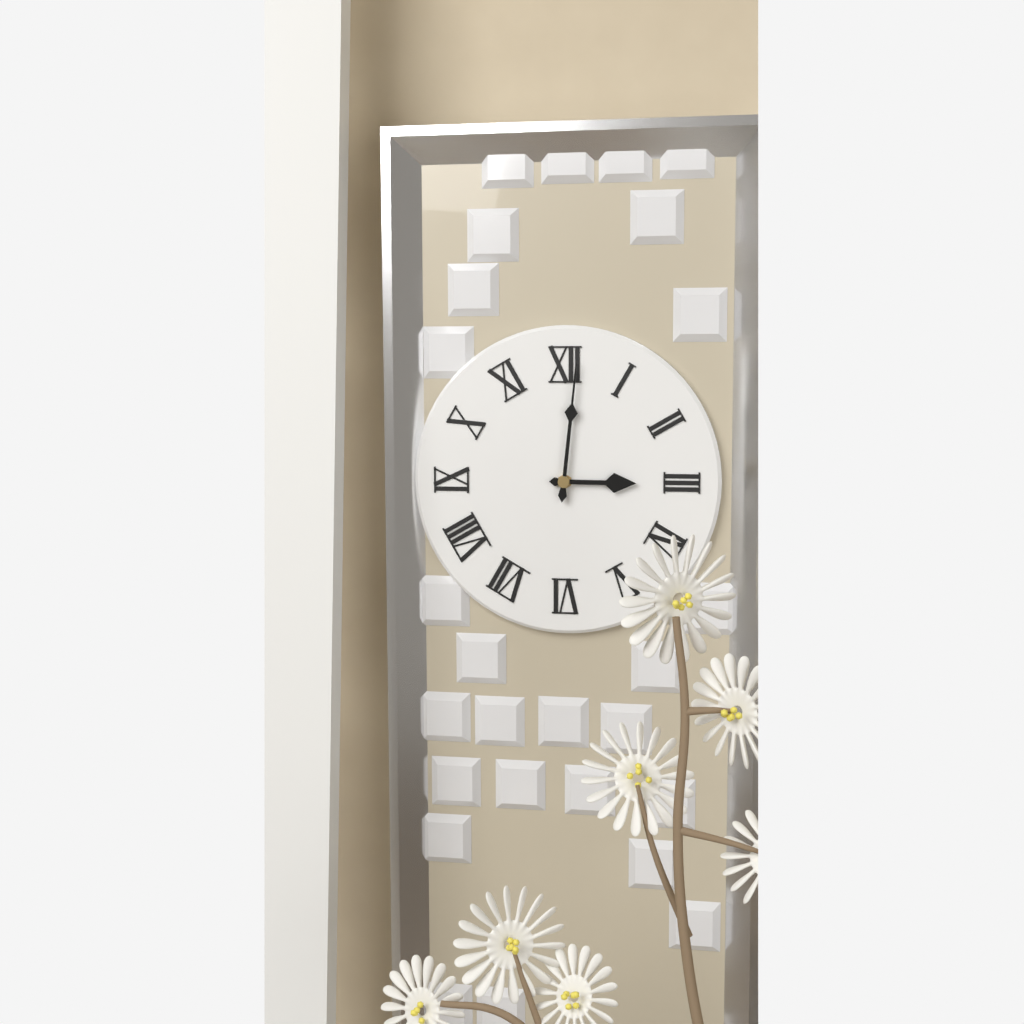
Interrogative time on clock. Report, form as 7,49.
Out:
3,01
